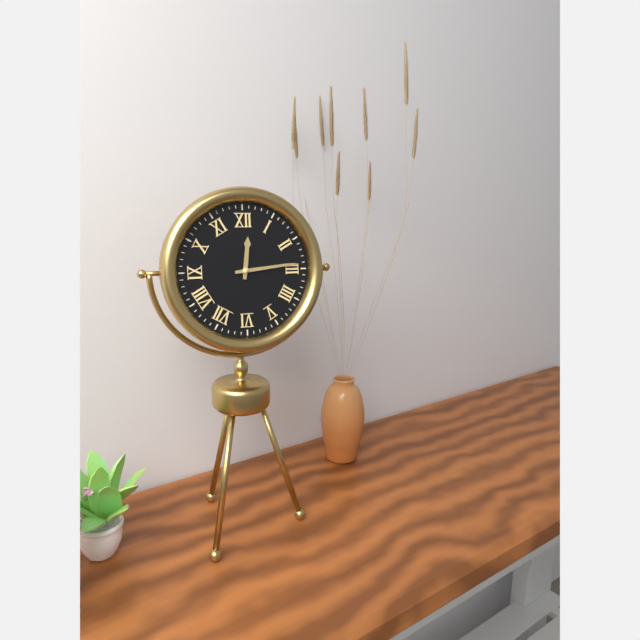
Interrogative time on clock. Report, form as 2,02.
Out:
12,14
